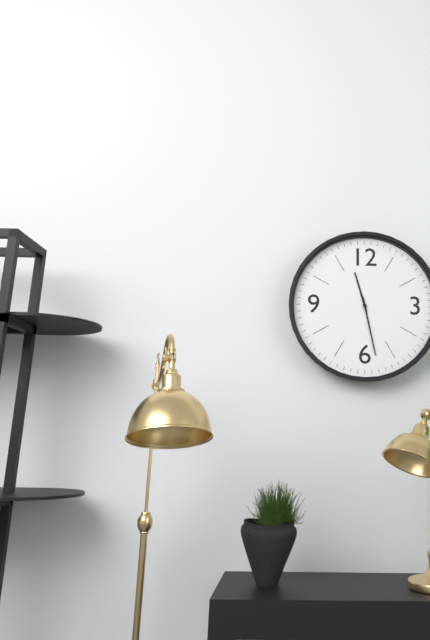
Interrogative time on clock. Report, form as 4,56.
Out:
11,28
